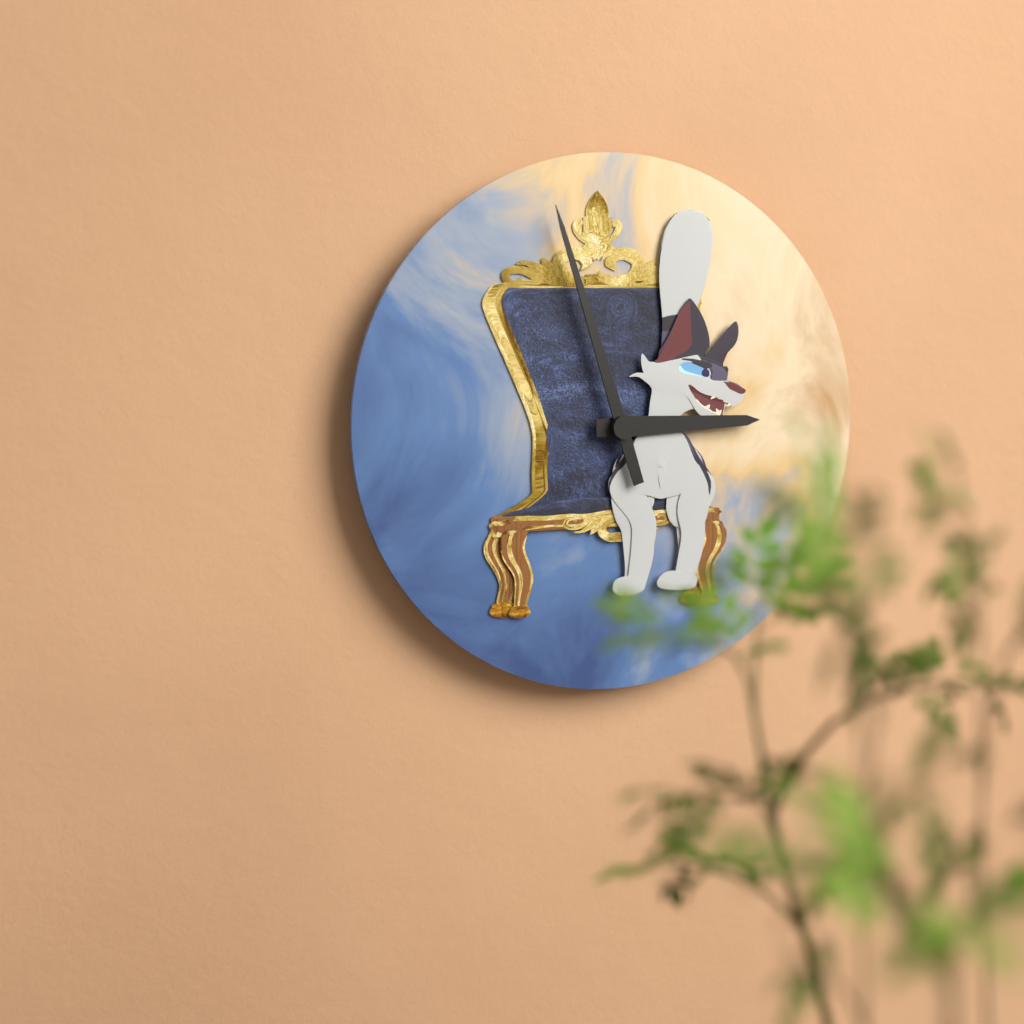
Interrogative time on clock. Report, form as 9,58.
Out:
2,57
